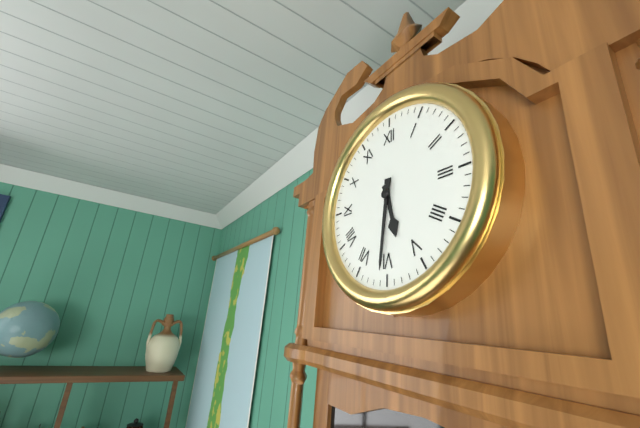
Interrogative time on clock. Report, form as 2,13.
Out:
5,31
